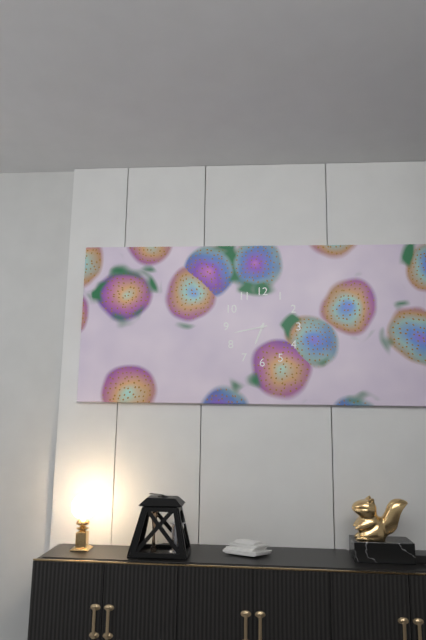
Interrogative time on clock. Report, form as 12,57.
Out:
6,43
